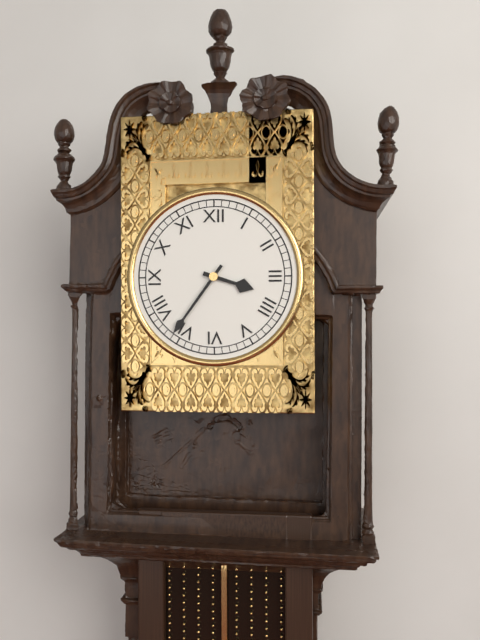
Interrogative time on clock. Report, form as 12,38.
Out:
3,36
